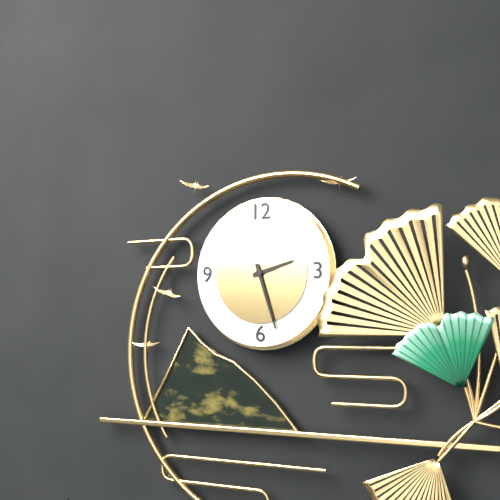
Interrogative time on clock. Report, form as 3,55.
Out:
2,27
